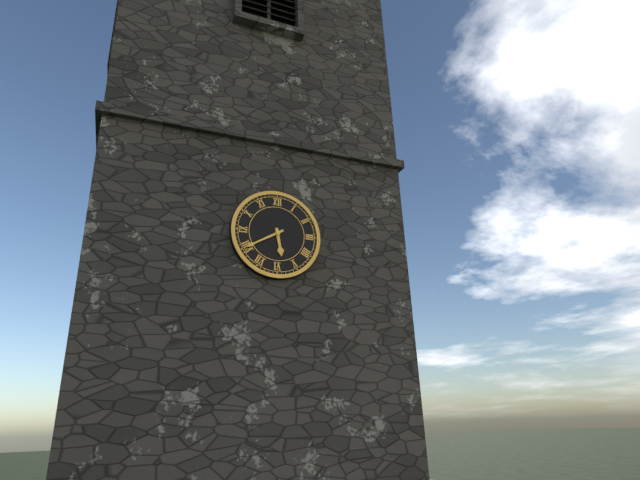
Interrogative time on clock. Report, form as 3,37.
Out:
5,40
